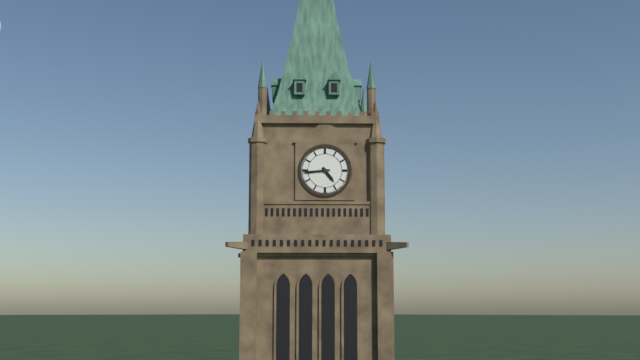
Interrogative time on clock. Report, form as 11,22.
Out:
4,44
